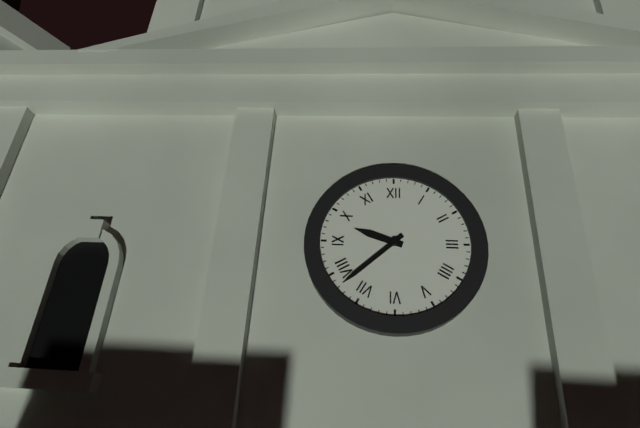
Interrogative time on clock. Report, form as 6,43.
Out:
9,38
